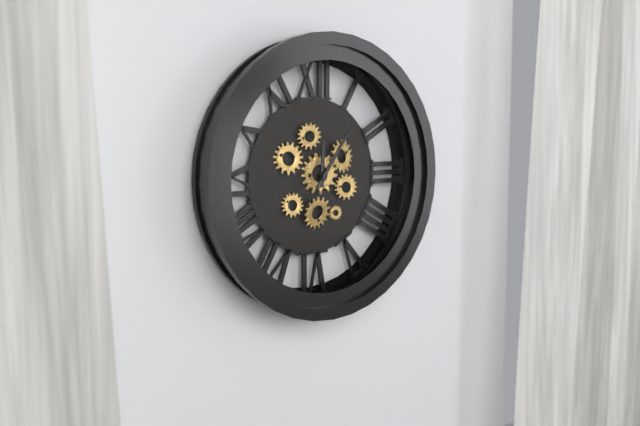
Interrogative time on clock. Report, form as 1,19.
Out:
12,06
